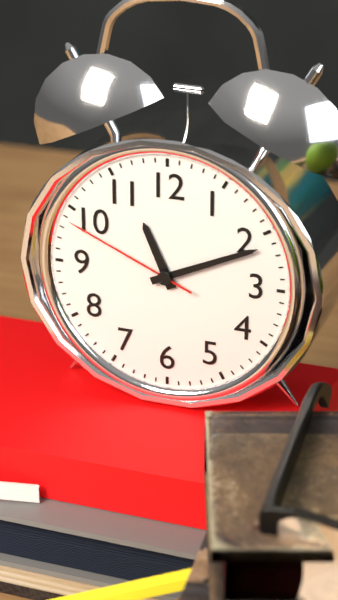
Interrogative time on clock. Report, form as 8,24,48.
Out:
11,11,49
